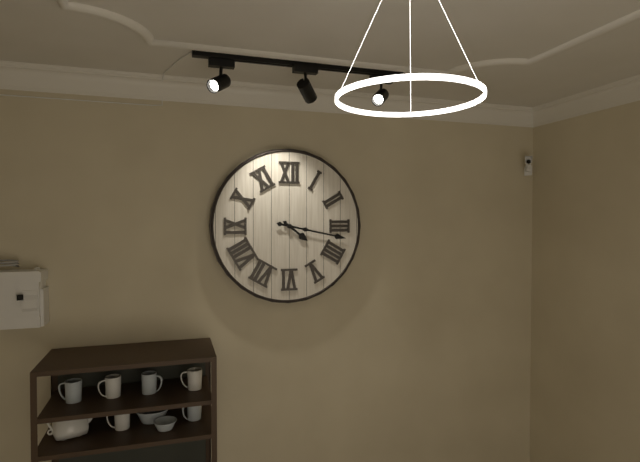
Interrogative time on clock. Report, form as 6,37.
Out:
4,17
